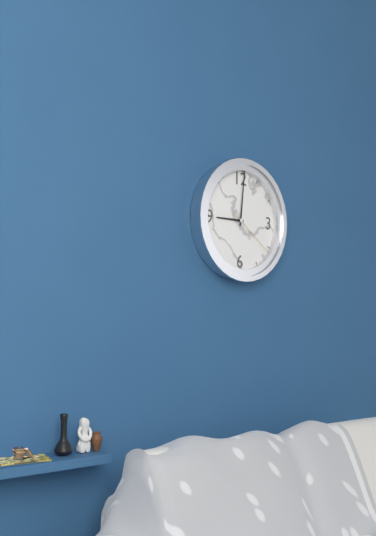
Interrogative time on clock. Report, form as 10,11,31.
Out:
9,01,21
